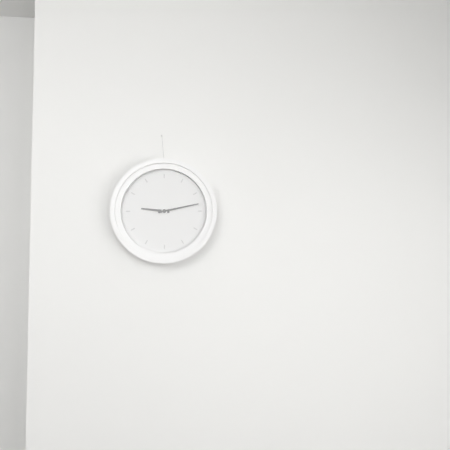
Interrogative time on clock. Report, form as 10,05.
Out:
9,13
